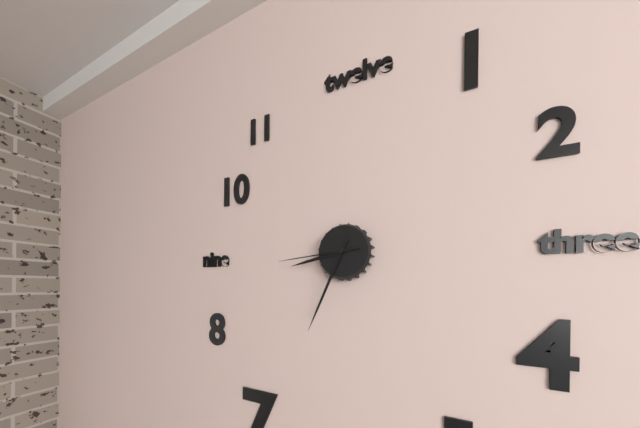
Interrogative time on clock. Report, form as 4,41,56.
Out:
8,34,44
